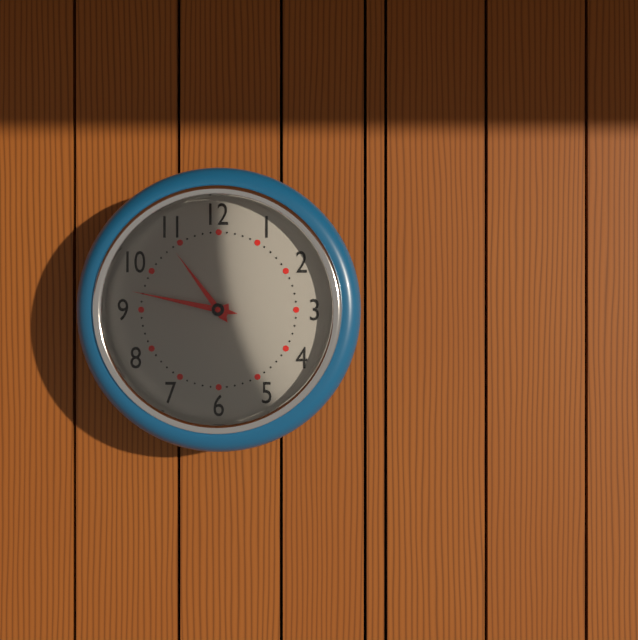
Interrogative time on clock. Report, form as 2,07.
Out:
10,47
